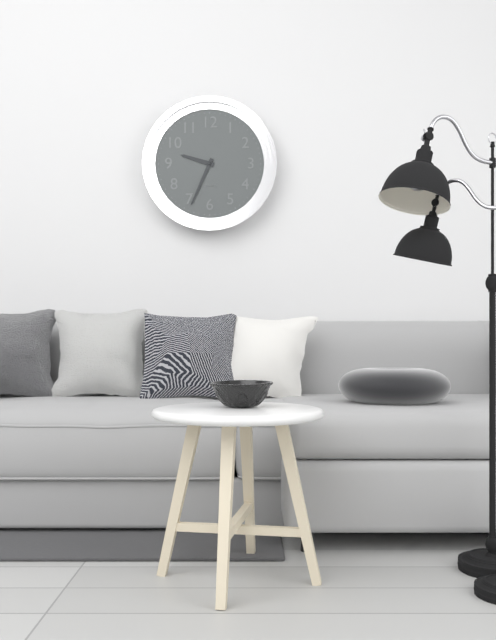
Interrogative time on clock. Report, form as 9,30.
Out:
9,34
